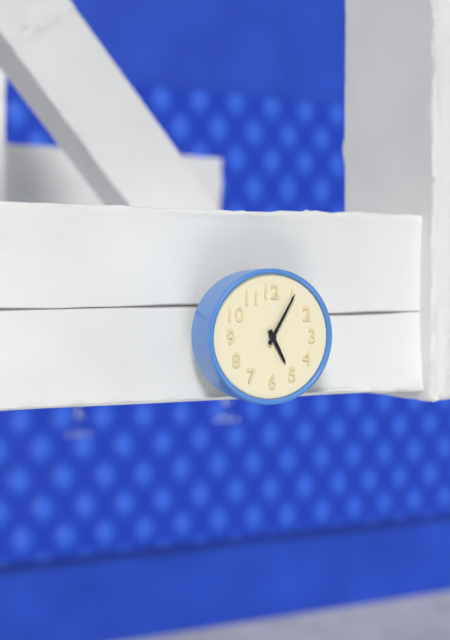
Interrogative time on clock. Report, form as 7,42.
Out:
5,05
